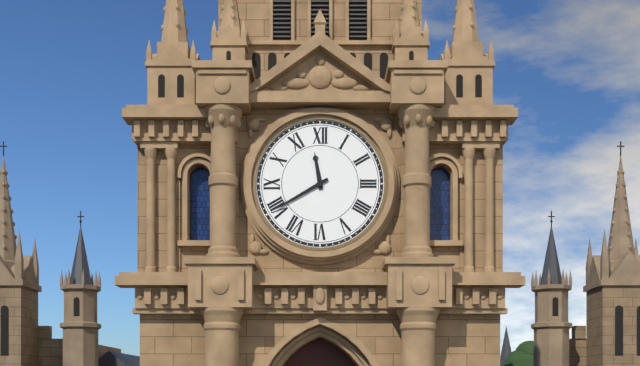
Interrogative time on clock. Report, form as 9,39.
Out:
11,40
